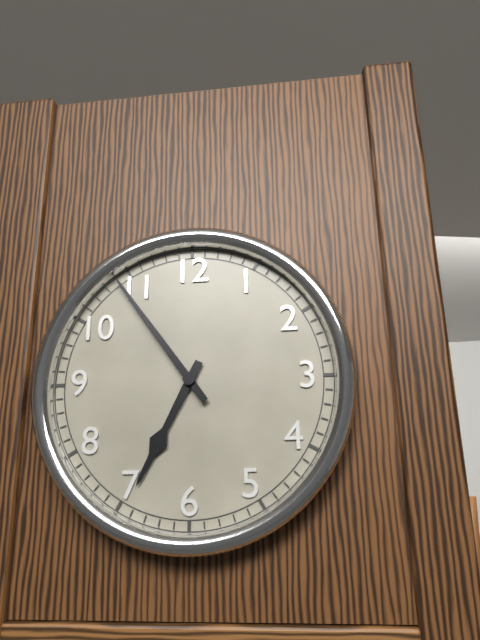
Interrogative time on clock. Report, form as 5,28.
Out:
6,54
